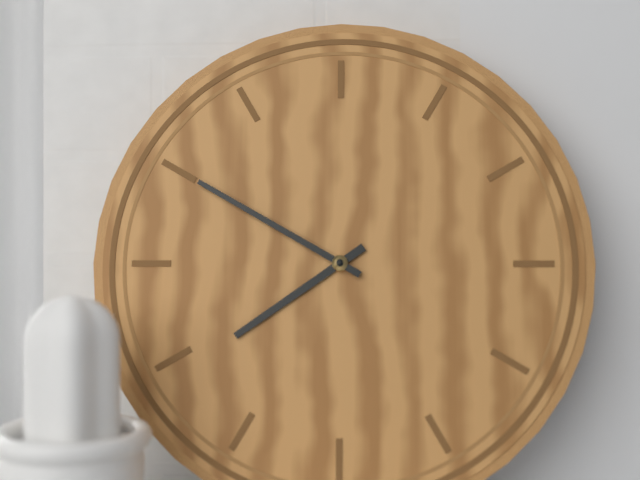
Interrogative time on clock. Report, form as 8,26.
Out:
7,50
